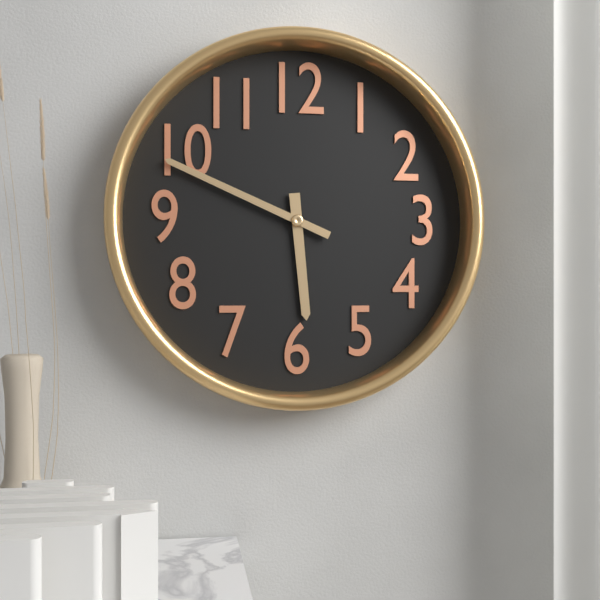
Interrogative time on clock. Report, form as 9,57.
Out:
5,49
